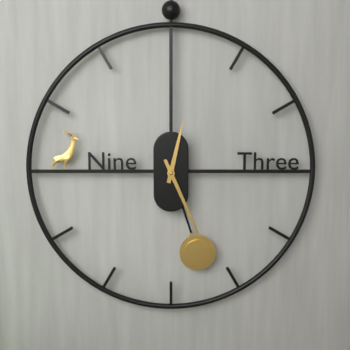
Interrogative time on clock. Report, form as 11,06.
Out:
12,26
